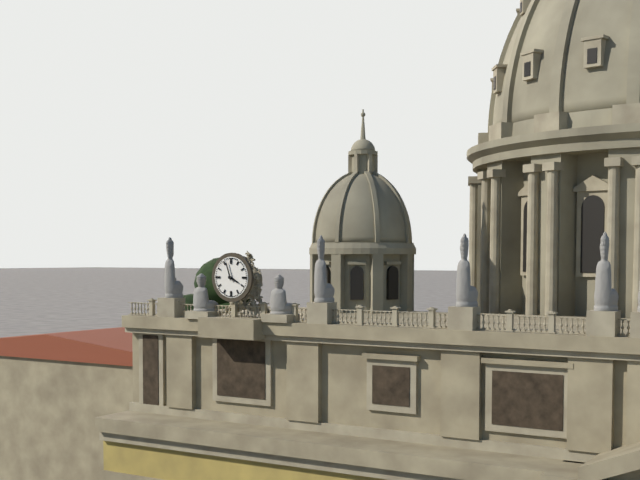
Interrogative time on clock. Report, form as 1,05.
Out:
3,57
